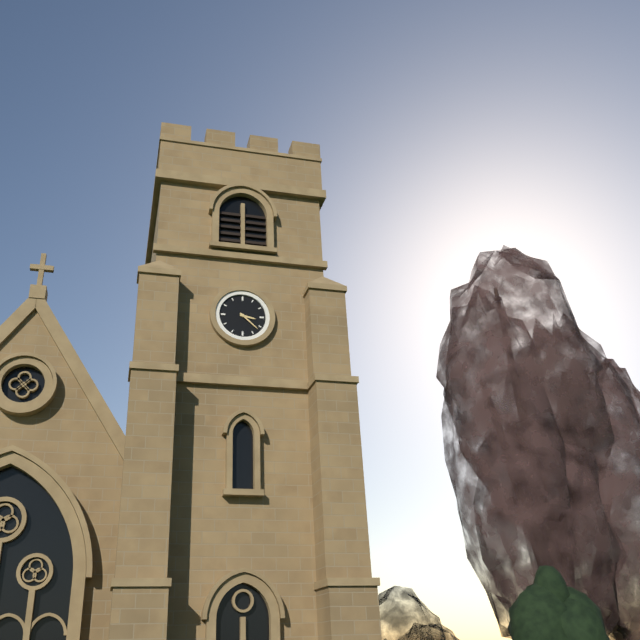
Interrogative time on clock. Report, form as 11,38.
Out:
3,22
